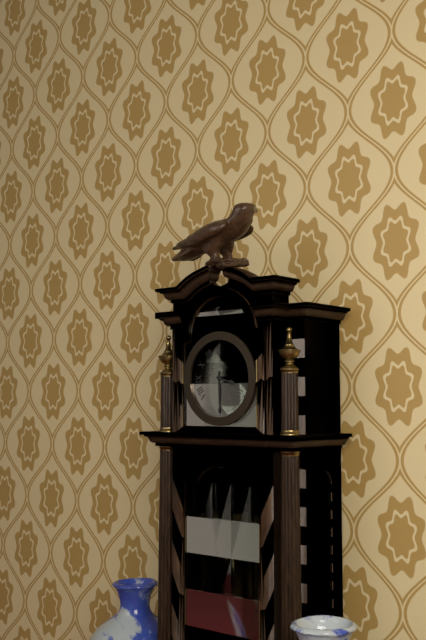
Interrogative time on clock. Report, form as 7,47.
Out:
3,30
